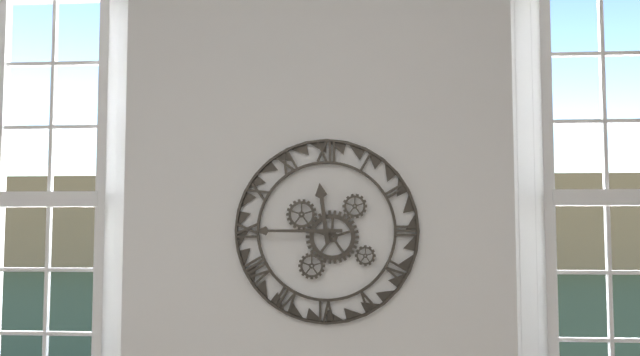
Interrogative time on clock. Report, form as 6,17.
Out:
11,45
